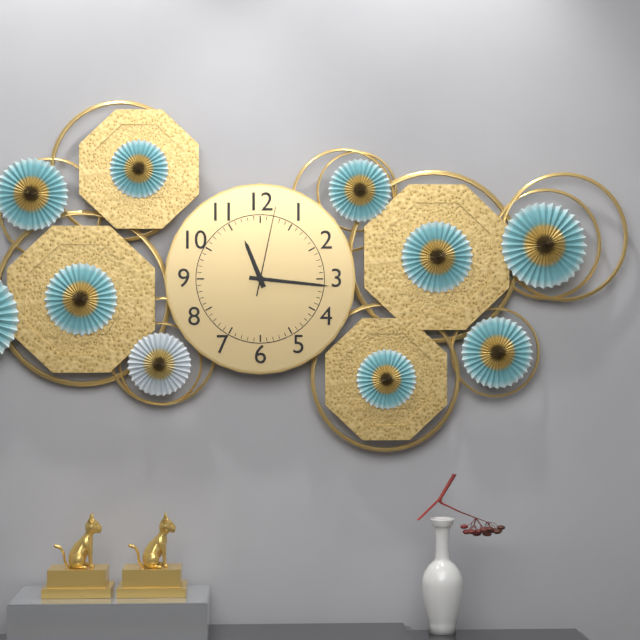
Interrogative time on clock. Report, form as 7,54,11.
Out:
11,16,02
